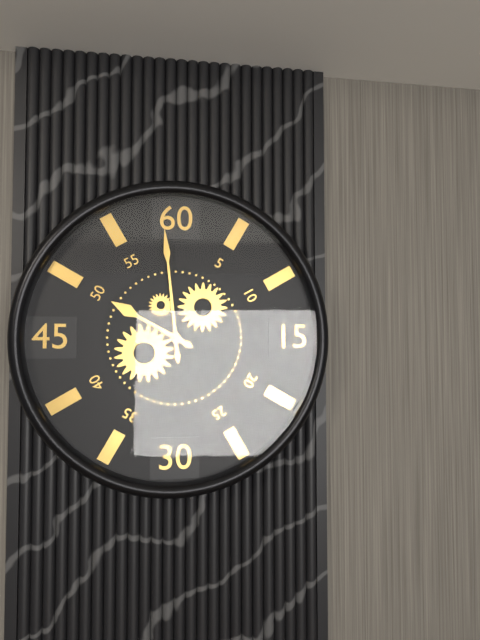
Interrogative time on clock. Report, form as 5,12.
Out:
9,59
